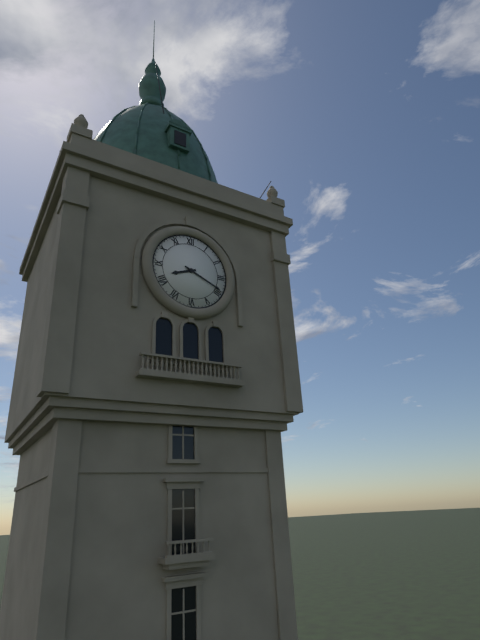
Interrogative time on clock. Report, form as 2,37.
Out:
8,19
